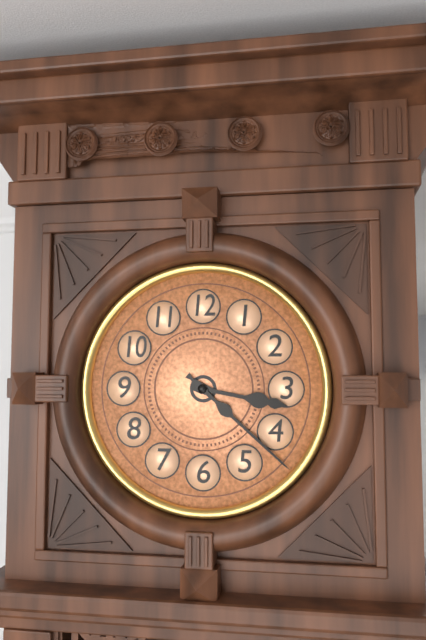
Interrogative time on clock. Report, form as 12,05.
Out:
3,22
